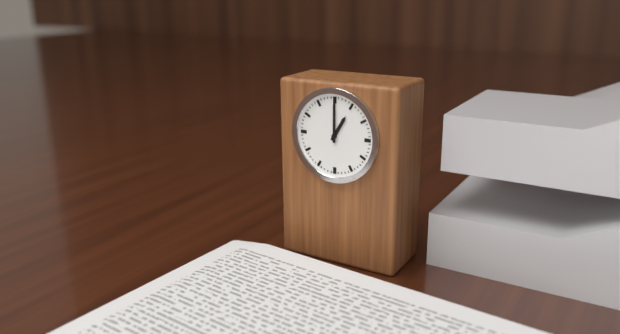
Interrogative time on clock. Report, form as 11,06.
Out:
1,00
